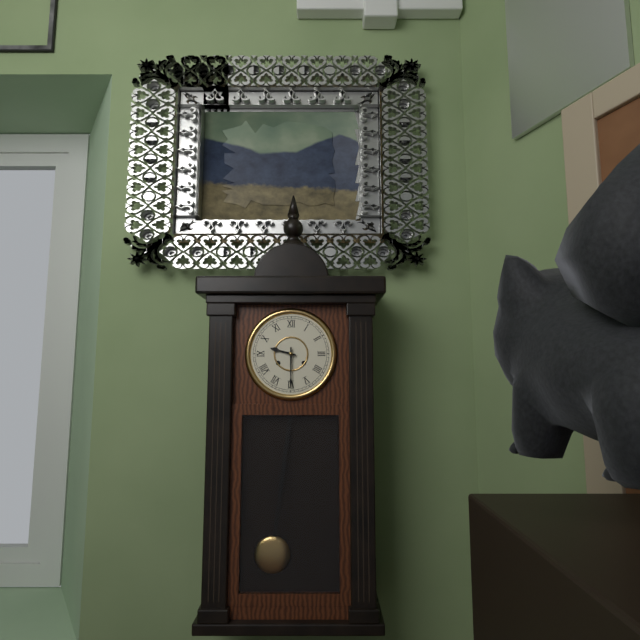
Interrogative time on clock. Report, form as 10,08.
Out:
9,30
